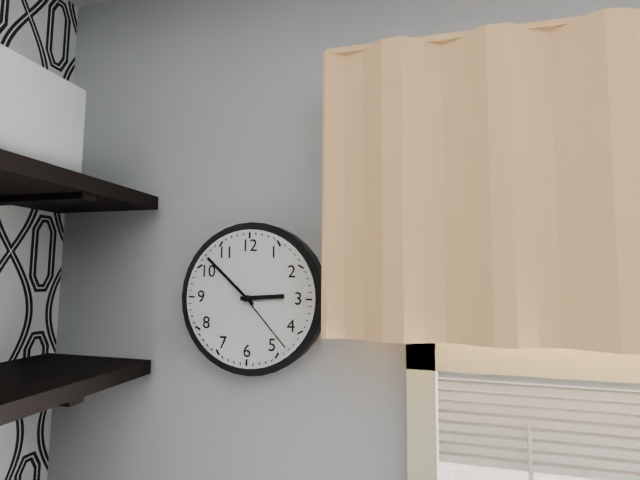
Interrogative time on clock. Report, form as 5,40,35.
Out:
2,52,23
